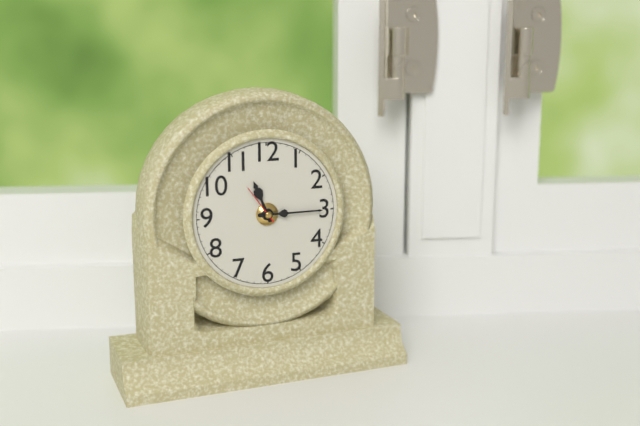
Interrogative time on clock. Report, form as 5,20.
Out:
11,15
